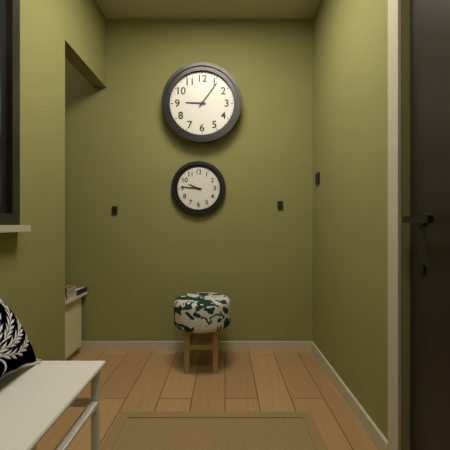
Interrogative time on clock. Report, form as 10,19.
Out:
9,06
